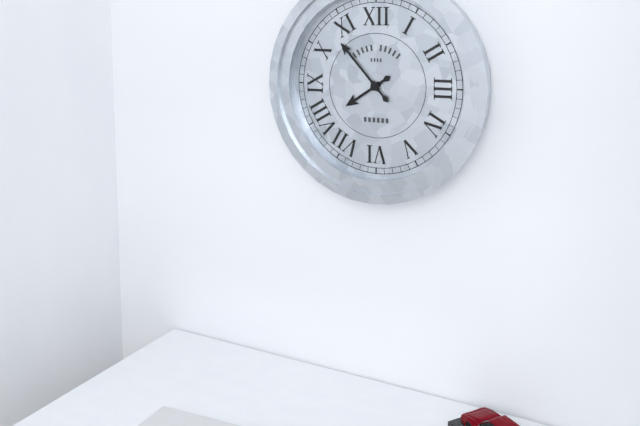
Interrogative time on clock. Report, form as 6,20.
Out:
7,53
